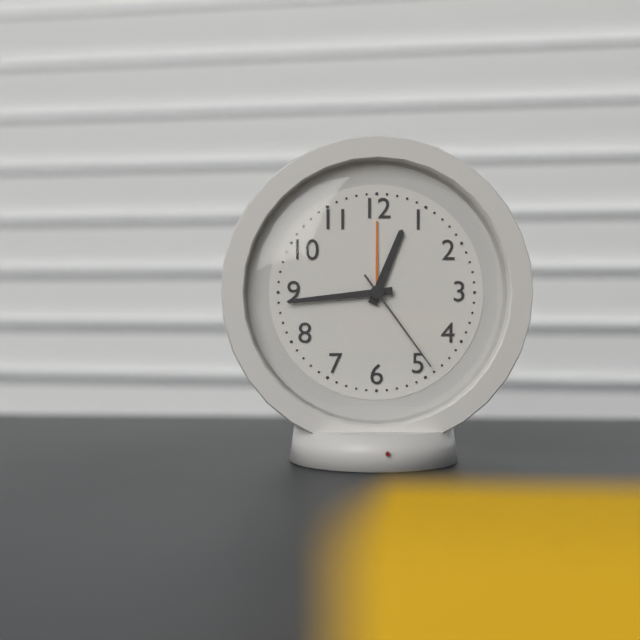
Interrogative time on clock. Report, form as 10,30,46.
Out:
12,44,24
